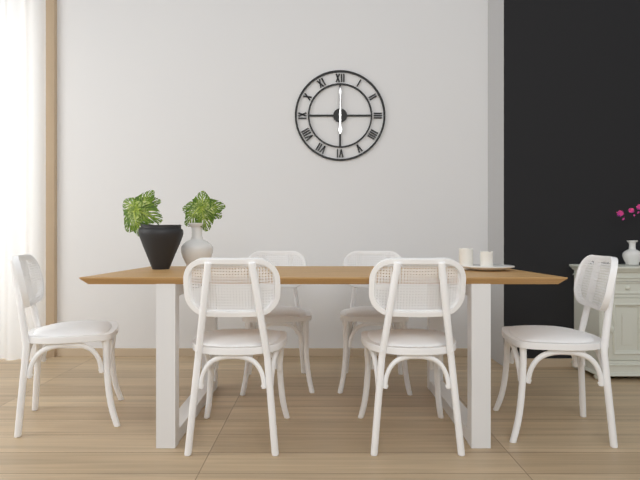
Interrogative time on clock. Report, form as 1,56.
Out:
6,00
